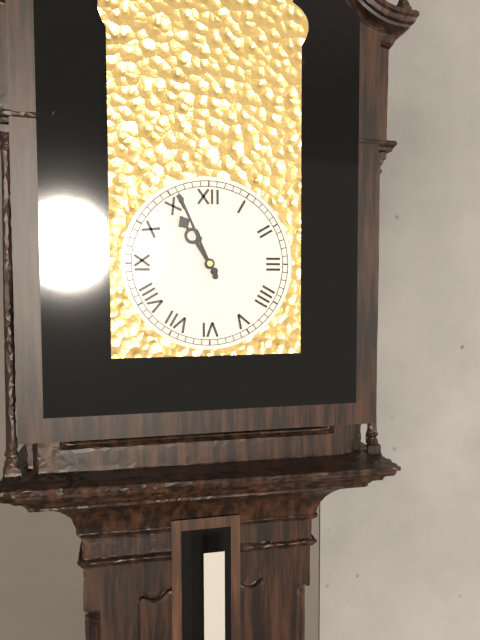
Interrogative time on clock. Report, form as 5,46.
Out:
10,56
